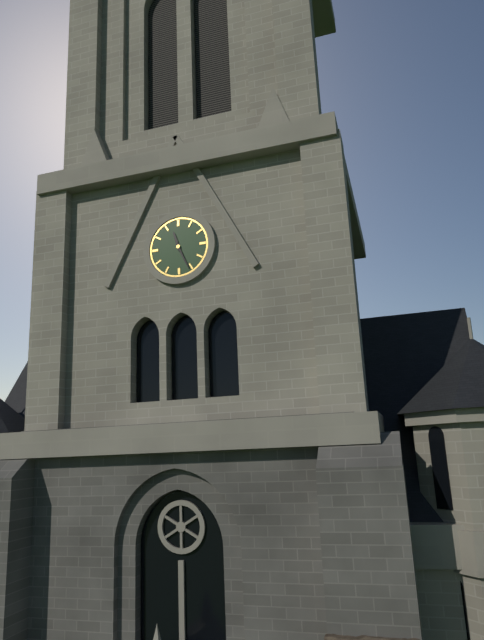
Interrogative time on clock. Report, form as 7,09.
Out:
11,26
